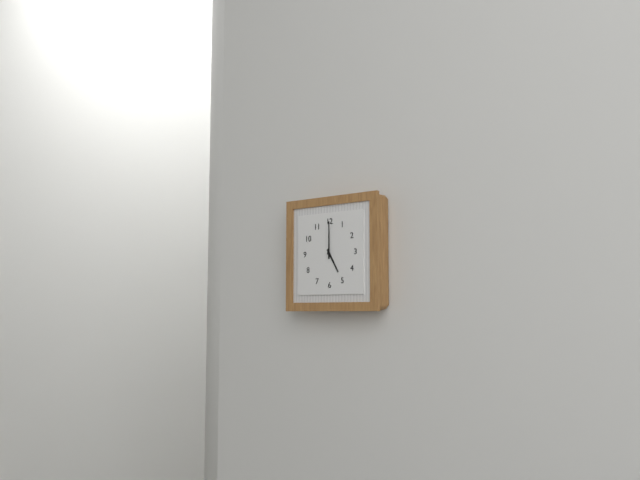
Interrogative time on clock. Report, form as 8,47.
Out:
5,00
